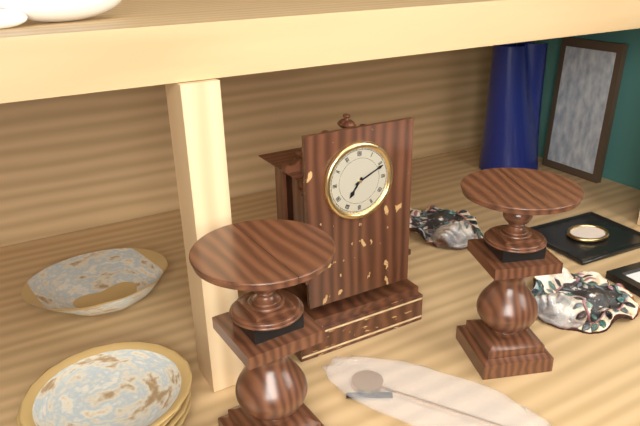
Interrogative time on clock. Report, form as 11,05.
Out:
7,11
